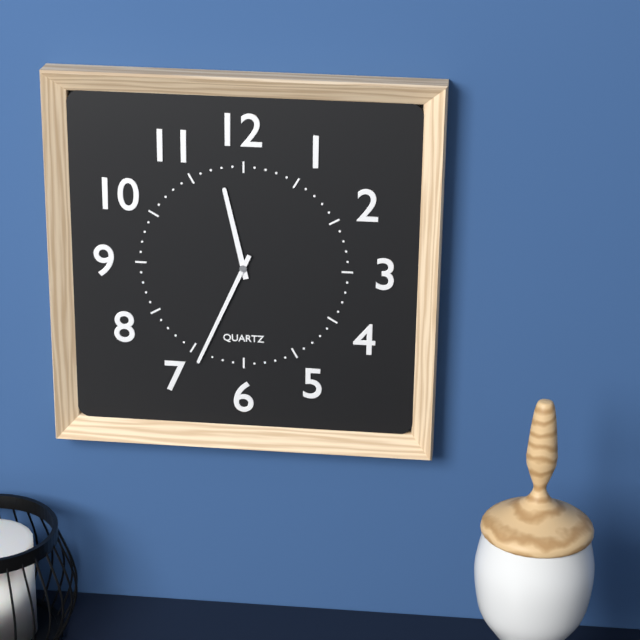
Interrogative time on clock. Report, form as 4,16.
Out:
11,34
